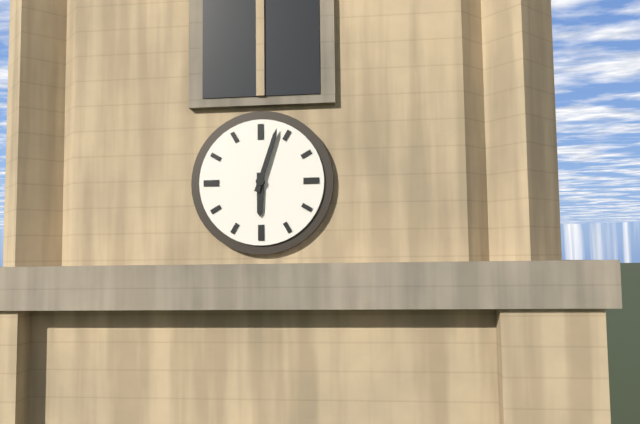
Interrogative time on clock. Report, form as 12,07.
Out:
6,03
